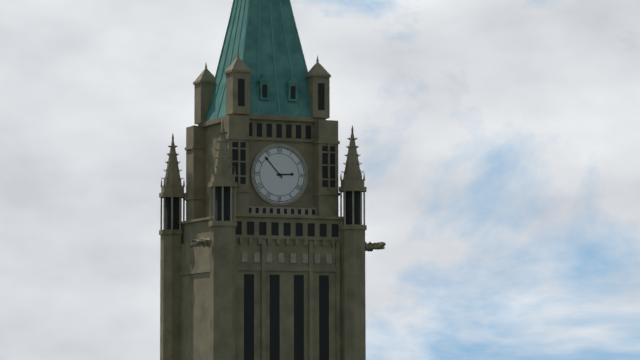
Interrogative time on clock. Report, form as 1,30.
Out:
2,53
